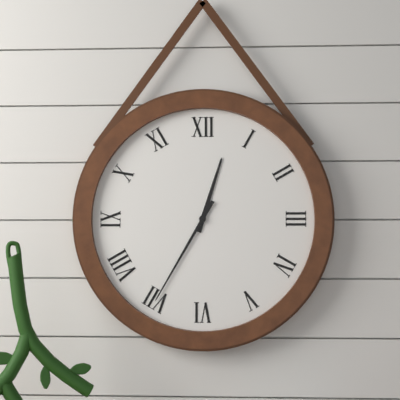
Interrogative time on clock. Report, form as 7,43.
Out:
12,35
